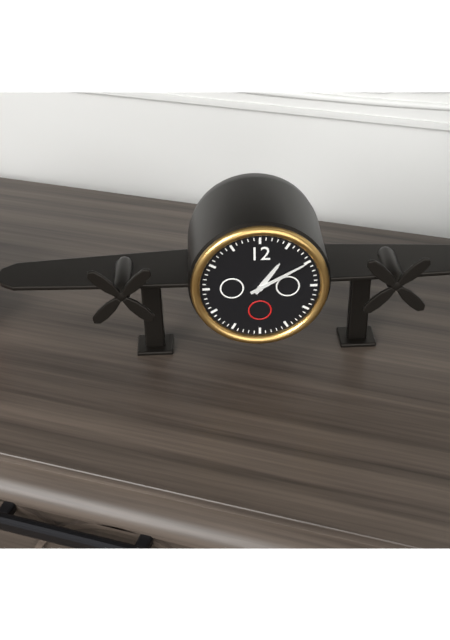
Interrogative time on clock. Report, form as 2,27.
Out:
1,10
